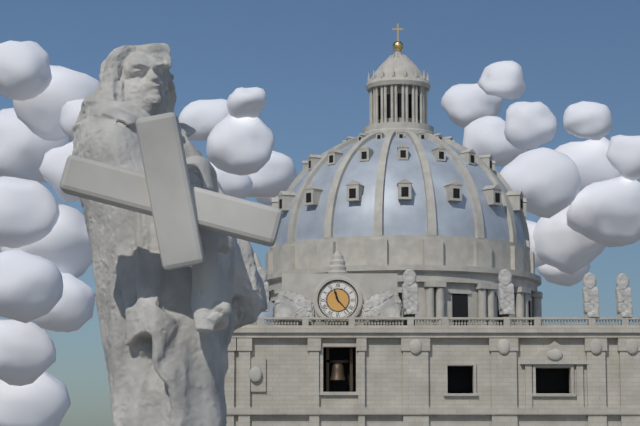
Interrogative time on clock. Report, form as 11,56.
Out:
11,23
